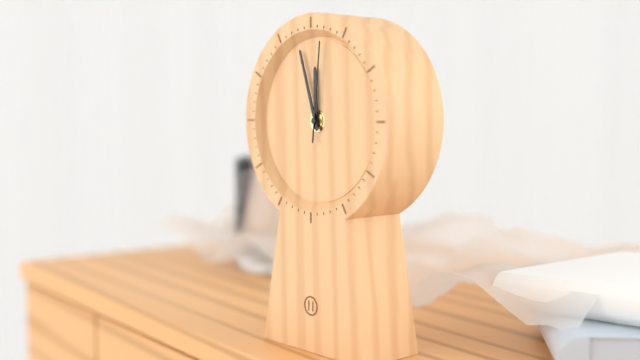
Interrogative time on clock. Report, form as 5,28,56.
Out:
11,57,01
